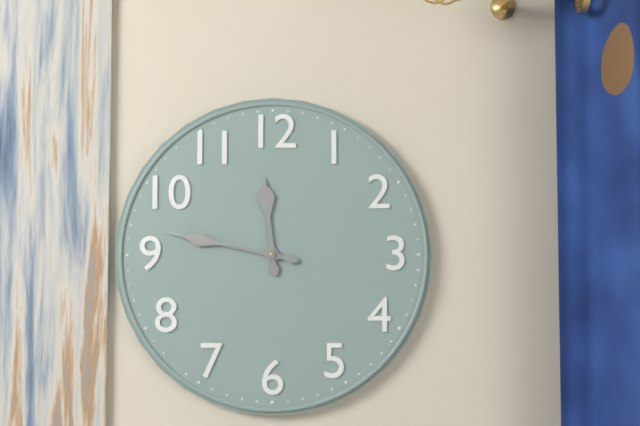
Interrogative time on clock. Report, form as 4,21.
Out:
11,47
